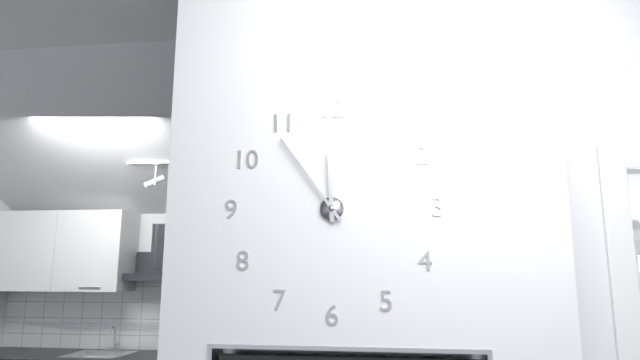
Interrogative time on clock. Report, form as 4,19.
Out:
11,54
